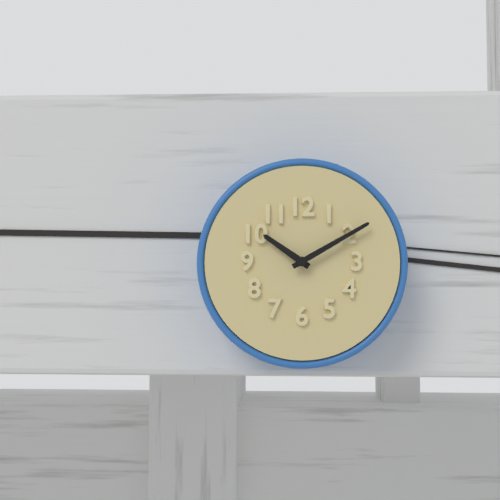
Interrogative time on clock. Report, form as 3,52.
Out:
10,10
